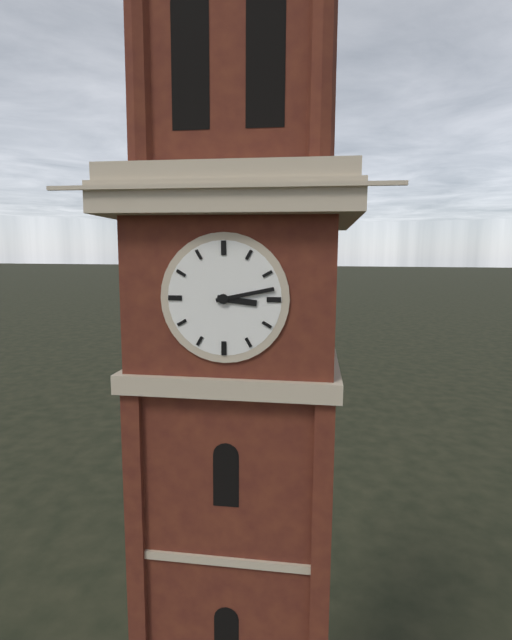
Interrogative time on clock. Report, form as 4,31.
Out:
3,13
